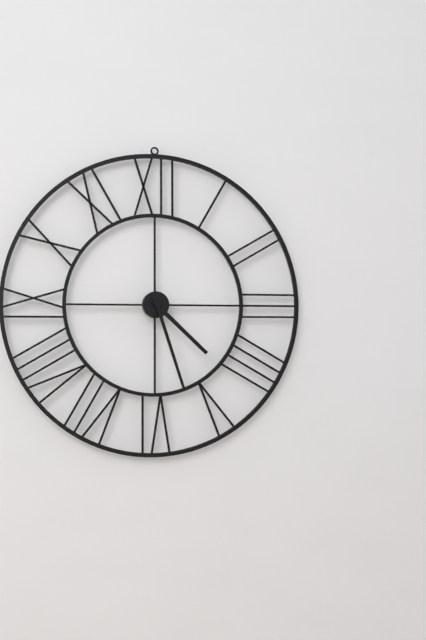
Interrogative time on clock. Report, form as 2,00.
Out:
4,27
